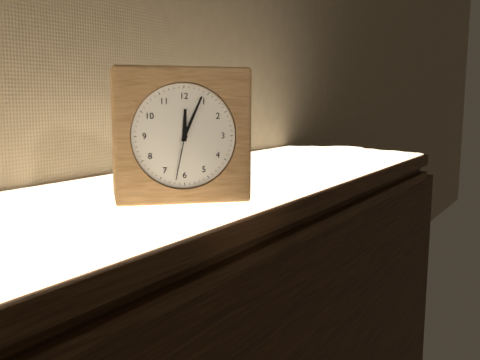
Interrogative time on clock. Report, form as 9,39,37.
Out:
12,04,32
